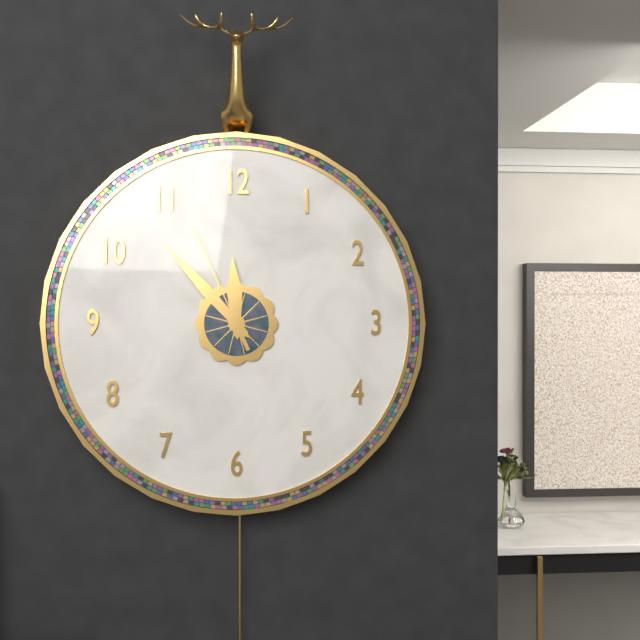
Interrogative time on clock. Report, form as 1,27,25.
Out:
11,53,56
